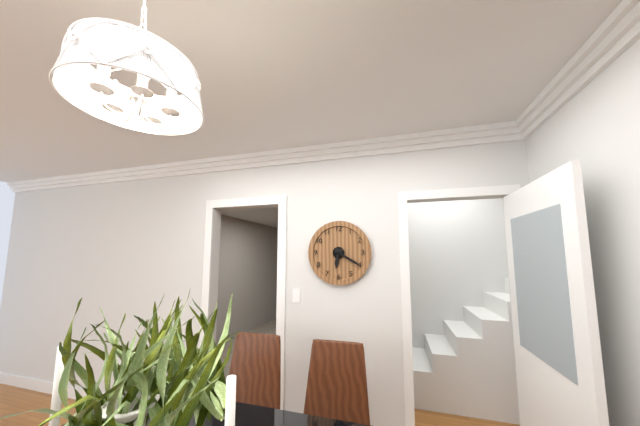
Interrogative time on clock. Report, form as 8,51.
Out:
6,20
